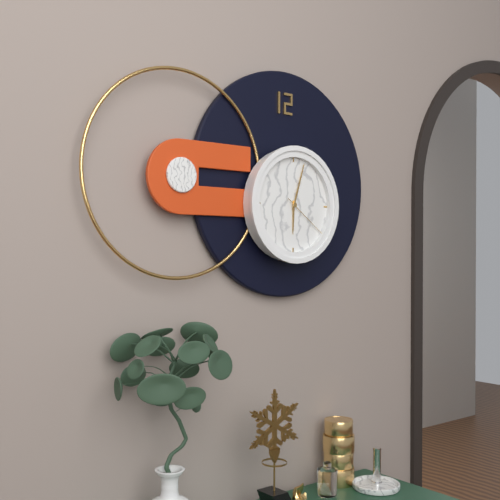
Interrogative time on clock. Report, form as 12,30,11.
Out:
6,03,21
